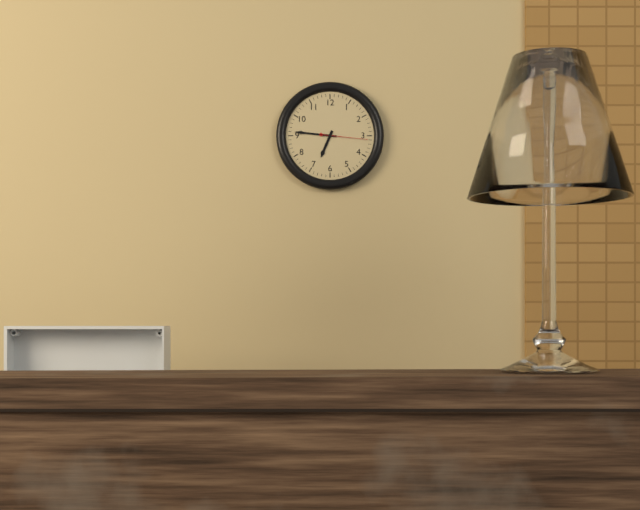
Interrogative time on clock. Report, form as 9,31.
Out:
6,46
